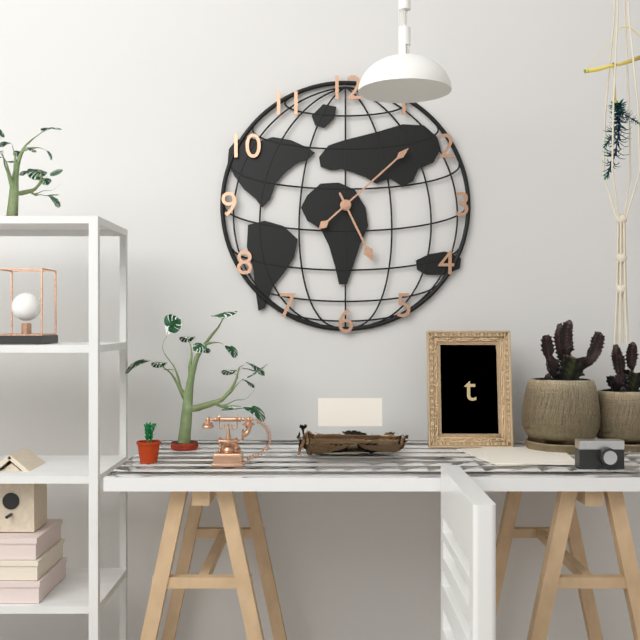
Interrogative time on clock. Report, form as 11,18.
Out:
5,08
